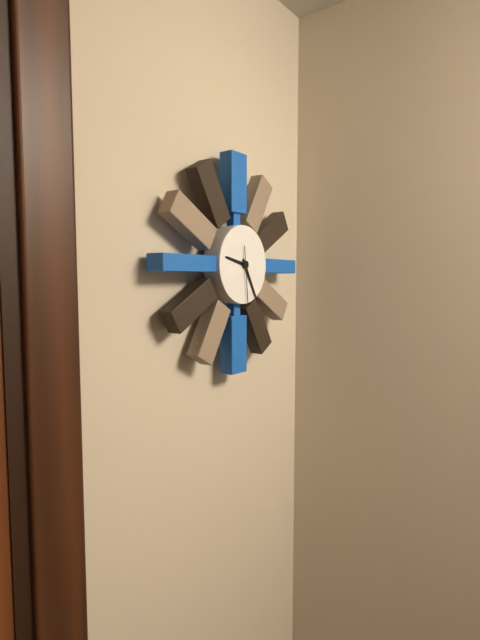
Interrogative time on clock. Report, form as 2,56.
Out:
9,25
